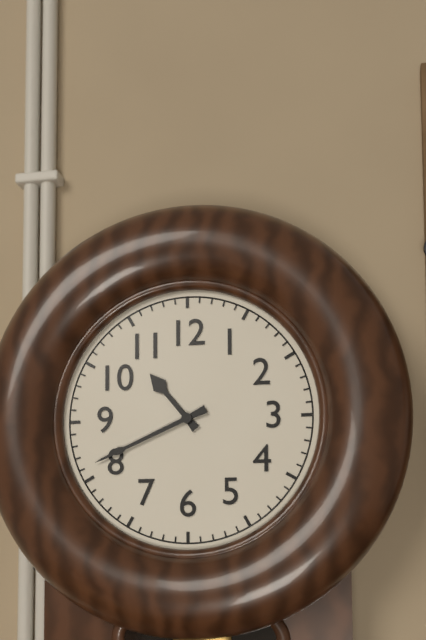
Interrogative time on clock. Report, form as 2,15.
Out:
10,41
